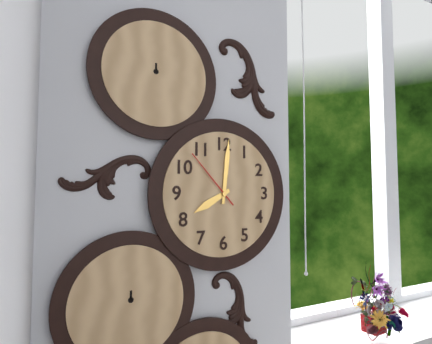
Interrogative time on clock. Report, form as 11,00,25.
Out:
8,01,53
